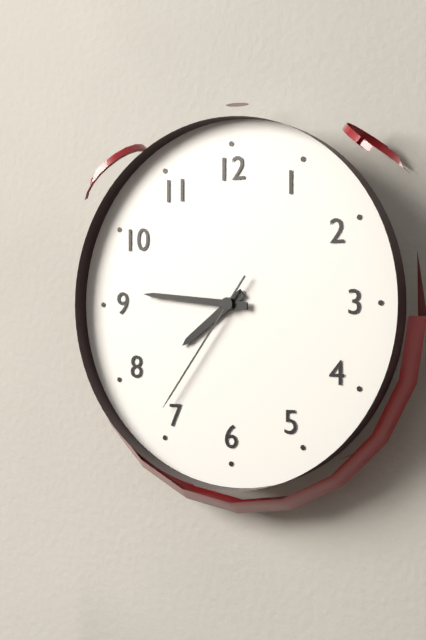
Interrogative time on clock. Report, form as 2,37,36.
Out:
7,46,36
